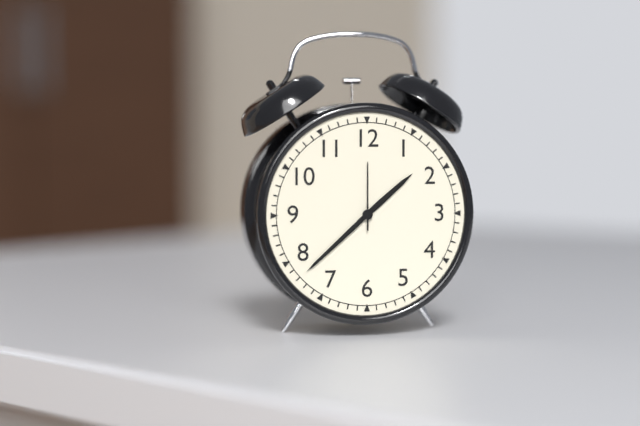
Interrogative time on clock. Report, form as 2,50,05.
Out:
1,38,00
